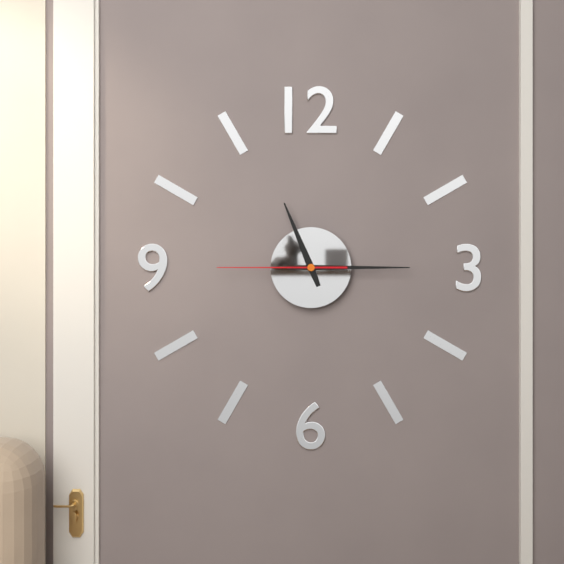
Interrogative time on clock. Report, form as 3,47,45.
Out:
11,15,45
